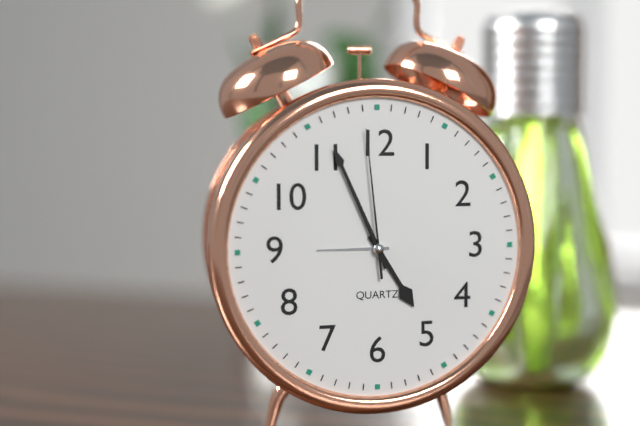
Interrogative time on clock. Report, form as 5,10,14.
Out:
4,56,59
